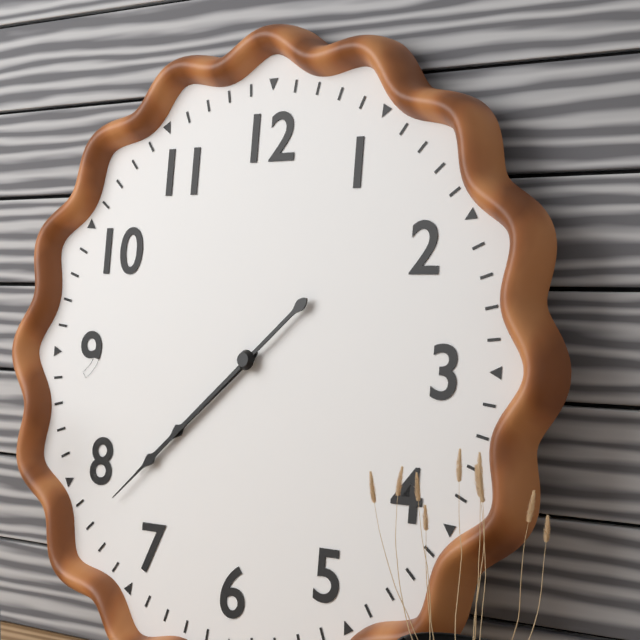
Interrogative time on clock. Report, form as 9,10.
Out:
7,38
